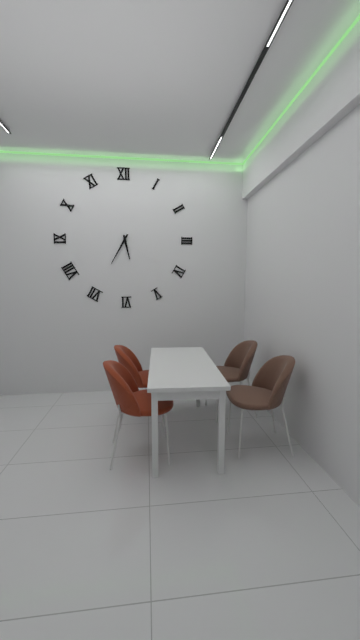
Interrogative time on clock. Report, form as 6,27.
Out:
5,35
